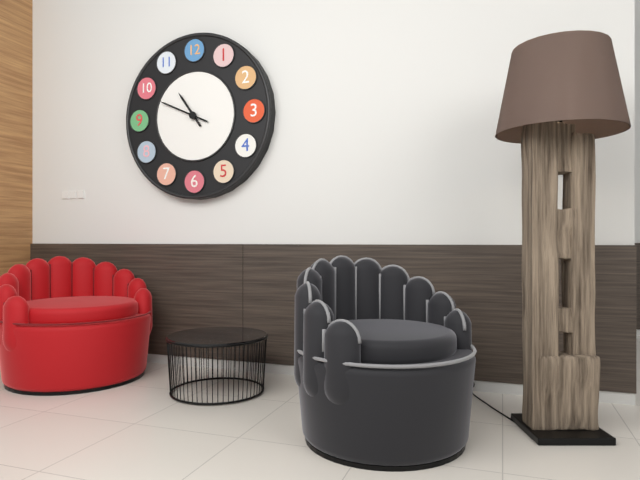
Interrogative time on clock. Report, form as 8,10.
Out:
10,49
